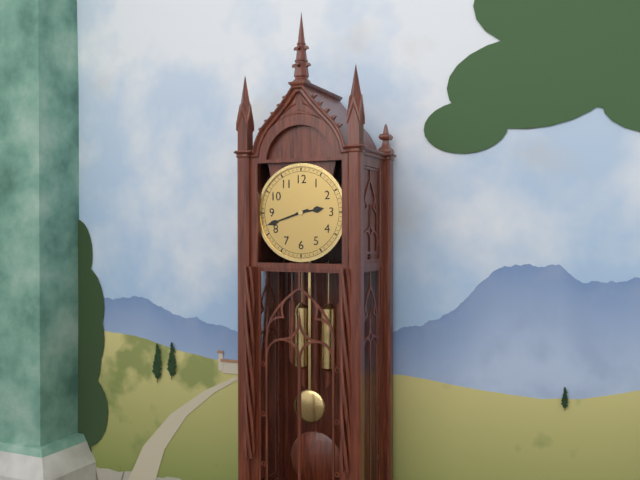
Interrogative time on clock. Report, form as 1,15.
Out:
2,42
